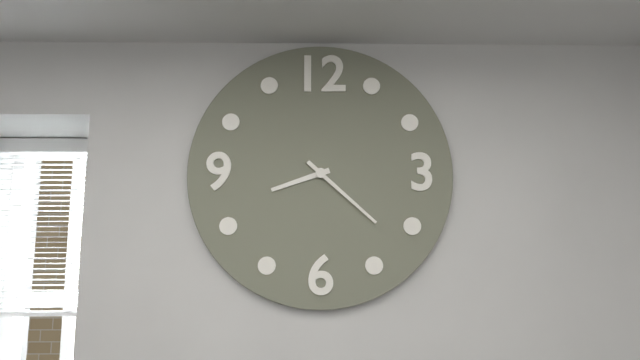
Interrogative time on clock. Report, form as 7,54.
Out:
8,22
